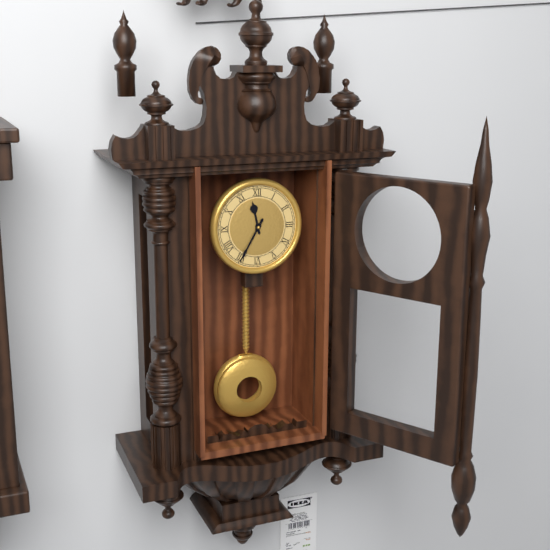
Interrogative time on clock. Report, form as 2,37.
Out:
11,35
